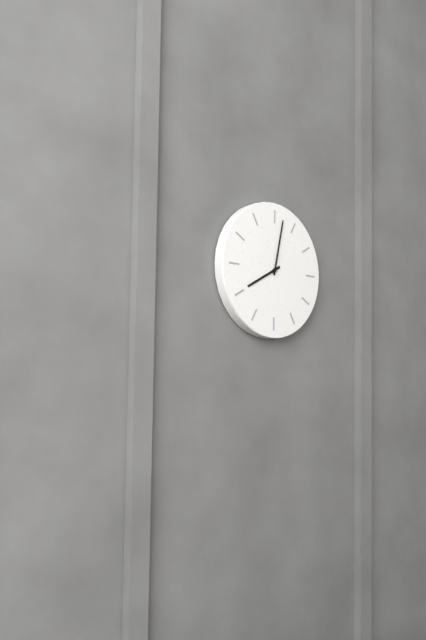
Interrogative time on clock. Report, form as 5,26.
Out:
8,02
